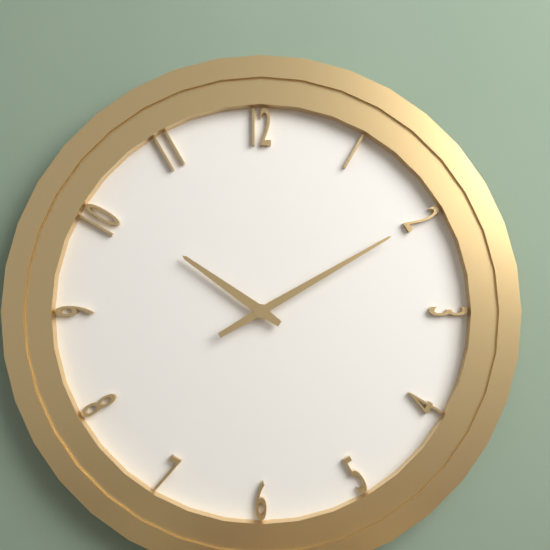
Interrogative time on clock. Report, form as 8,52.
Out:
10,10
